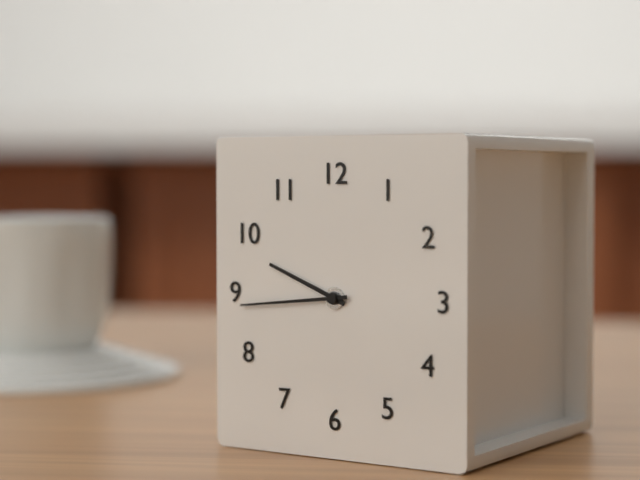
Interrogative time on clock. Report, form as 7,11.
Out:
9,44
